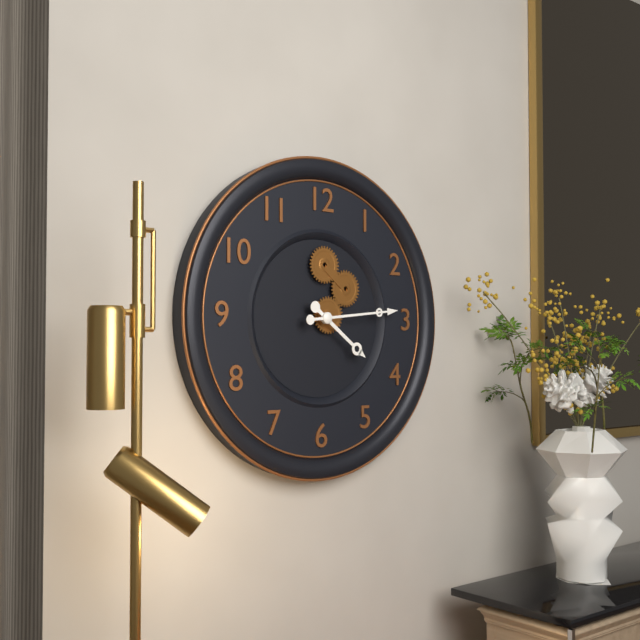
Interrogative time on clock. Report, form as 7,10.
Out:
4,14
